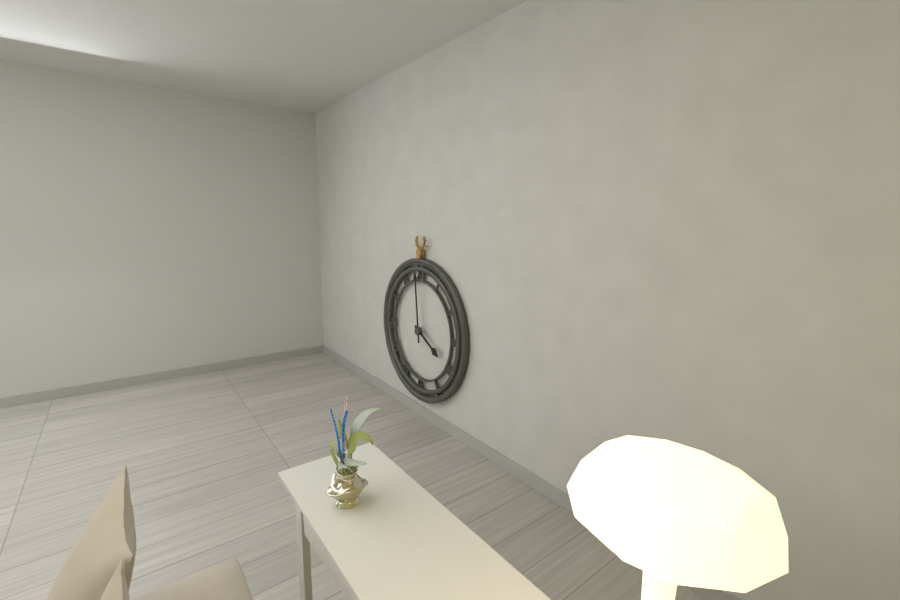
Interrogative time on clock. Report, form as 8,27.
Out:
3,59
